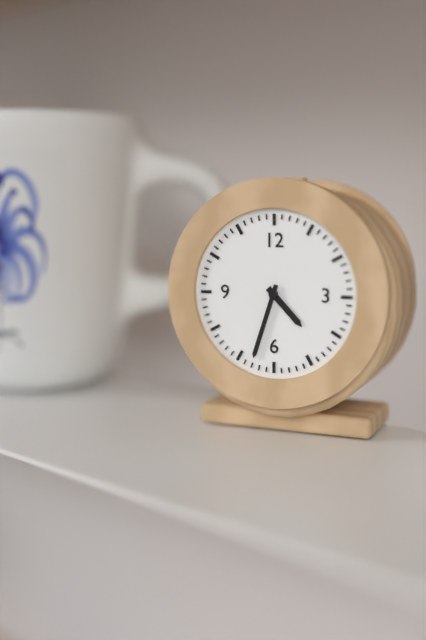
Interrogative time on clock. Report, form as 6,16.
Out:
4,33
